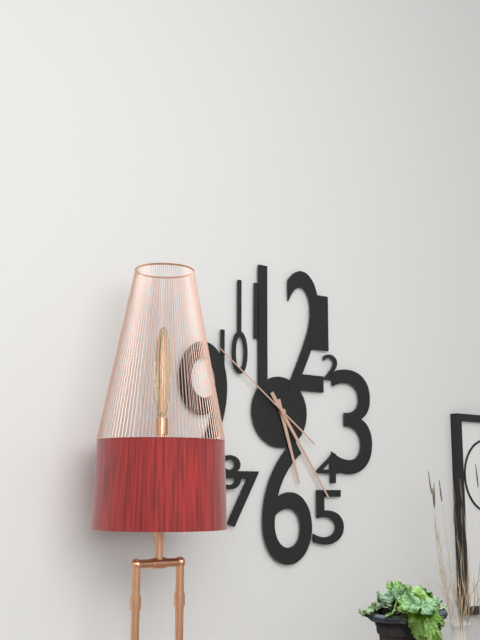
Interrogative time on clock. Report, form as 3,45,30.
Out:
5,24,51
